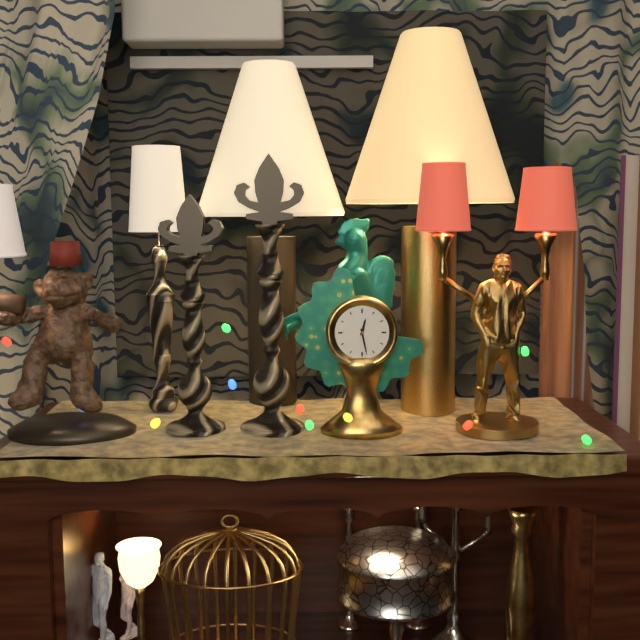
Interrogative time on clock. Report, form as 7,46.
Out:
12,28
